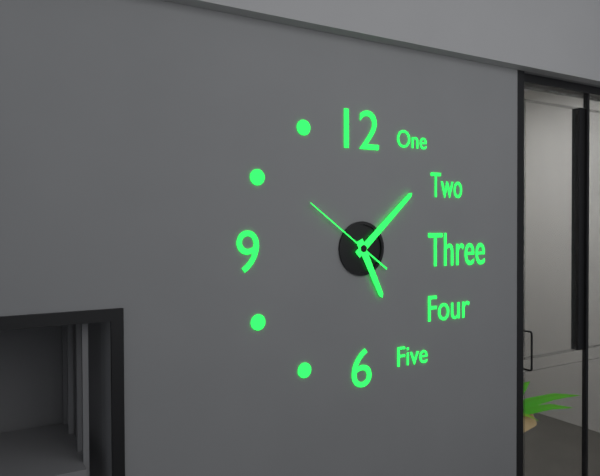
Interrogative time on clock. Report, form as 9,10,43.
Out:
5,08,51
